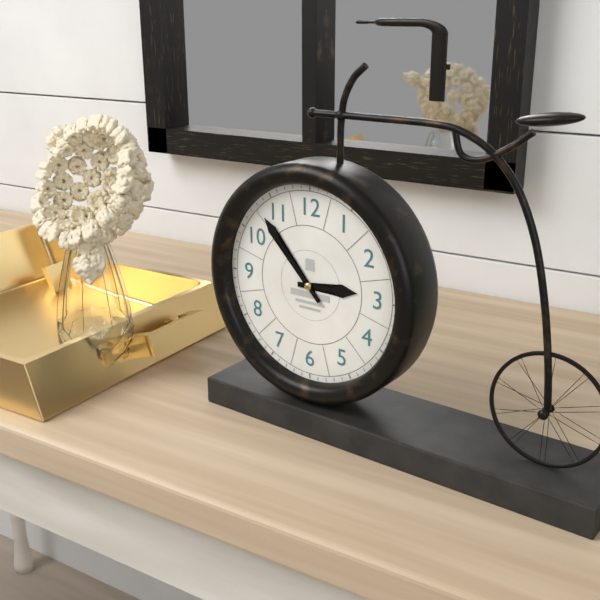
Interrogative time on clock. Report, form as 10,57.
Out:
2,53
